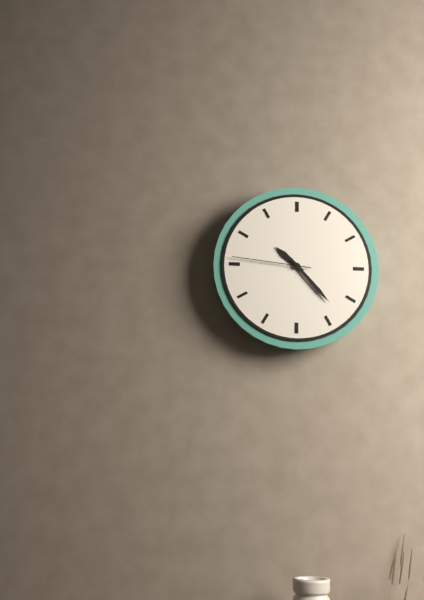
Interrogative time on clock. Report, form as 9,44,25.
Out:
10,23,46
